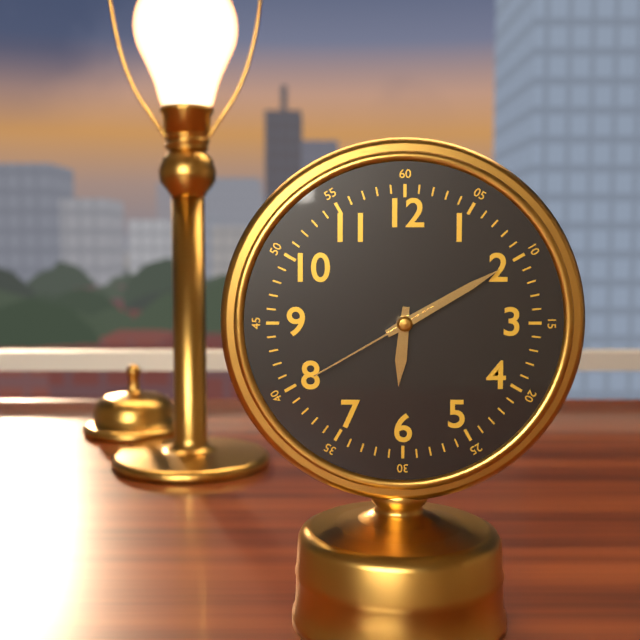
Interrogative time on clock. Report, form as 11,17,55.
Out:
6,10,40
